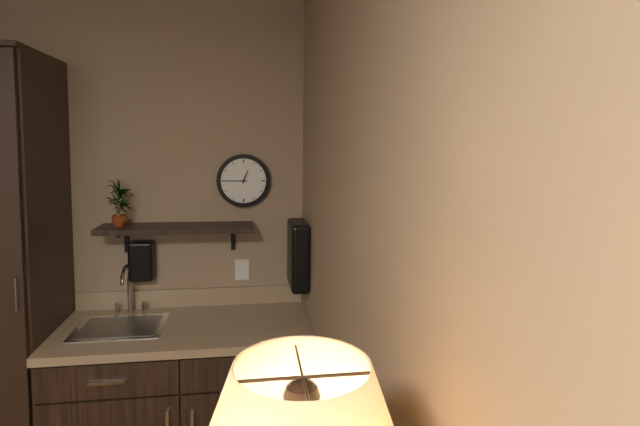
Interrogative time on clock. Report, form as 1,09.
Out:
12,45
